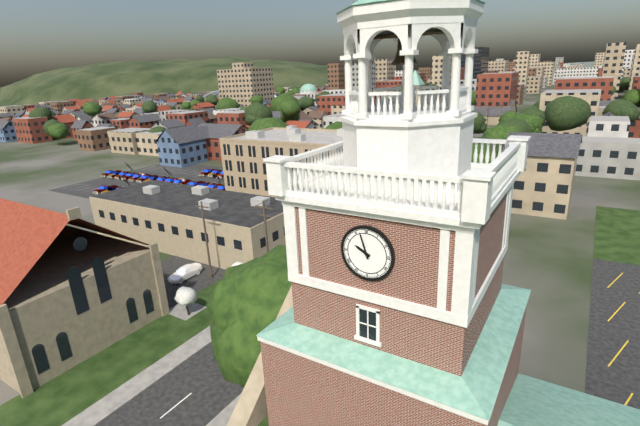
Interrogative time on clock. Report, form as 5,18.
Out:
9,57
